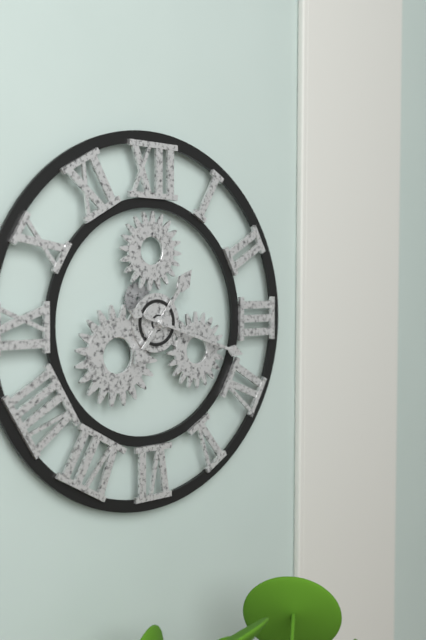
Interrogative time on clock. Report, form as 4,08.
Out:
1,18
